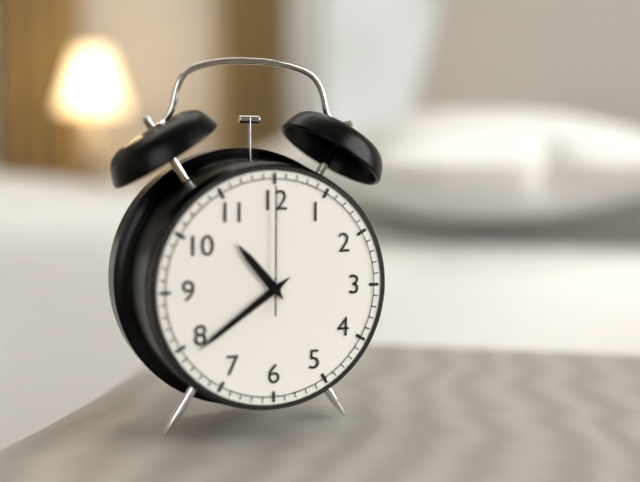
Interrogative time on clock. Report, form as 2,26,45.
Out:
10,39,00
